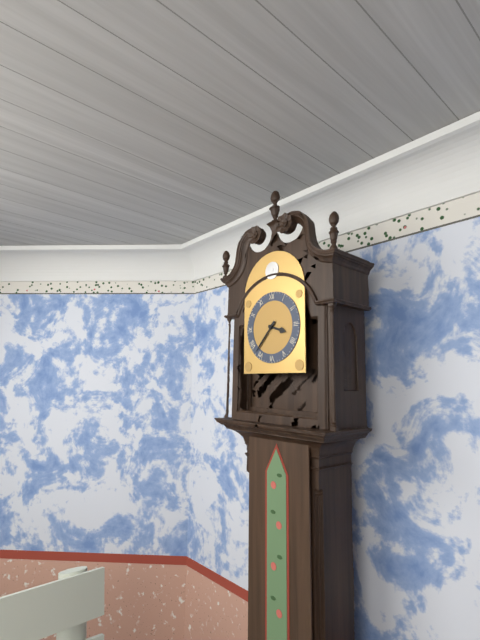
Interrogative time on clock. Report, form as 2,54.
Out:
3,37
